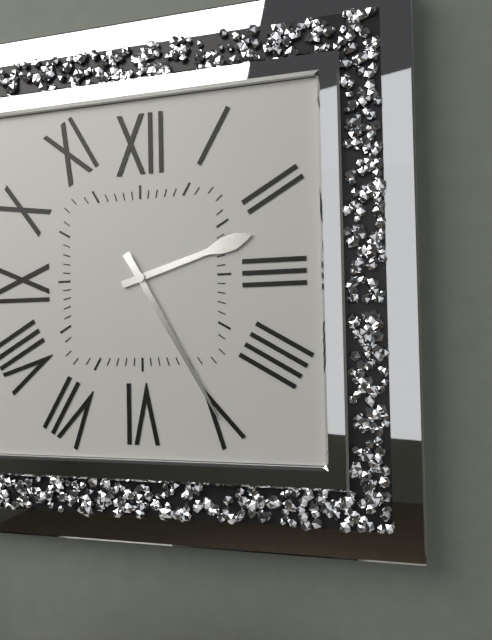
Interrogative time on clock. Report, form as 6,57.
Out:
2,25
